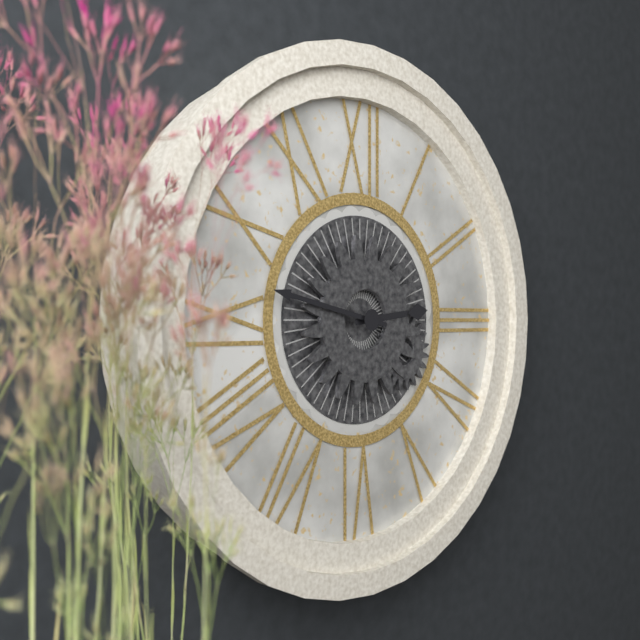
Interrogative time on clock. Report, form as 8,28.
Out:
2,47
